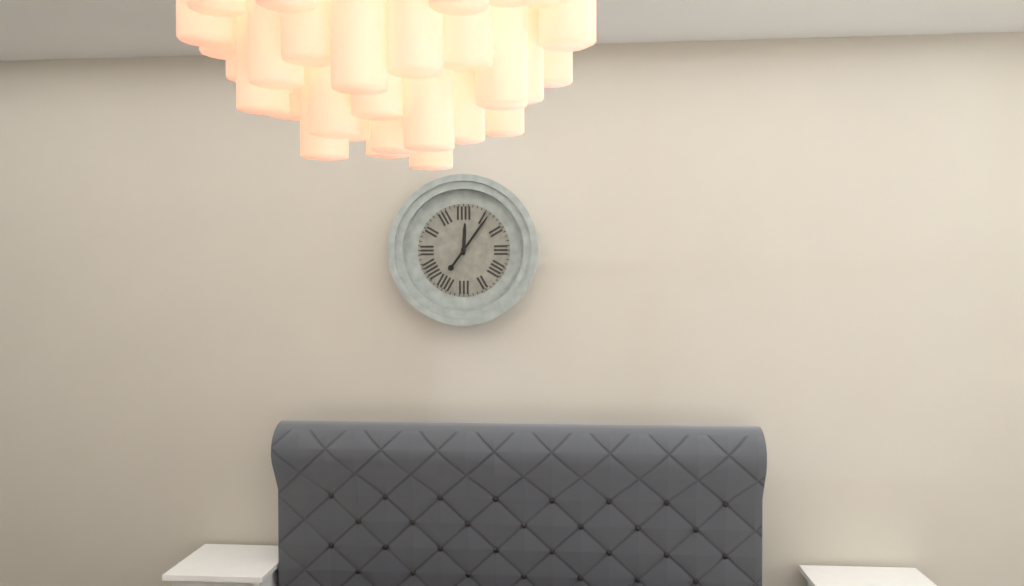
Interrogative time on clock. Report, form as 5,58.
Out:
12,06
